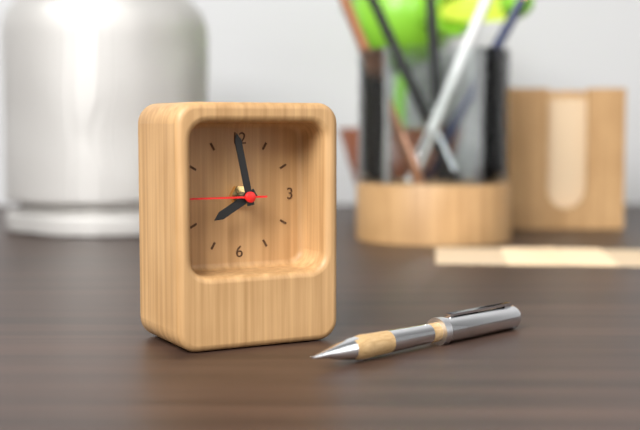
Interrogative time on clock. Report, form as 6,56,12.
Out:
7,58,45
